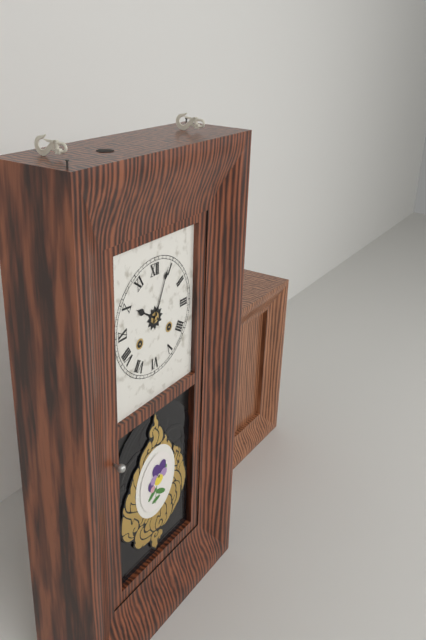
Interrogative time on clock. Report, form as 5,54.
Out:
10,04
